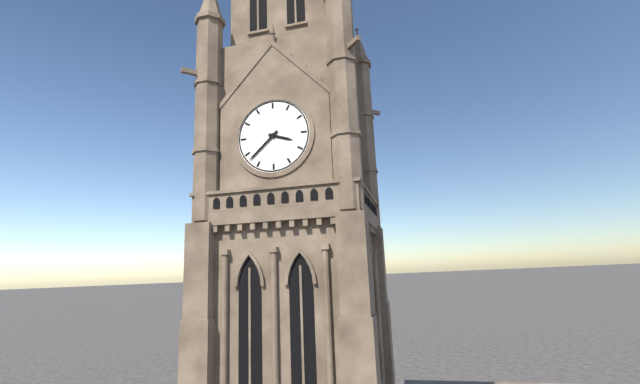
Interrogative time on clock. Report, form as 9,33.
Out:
3,38
